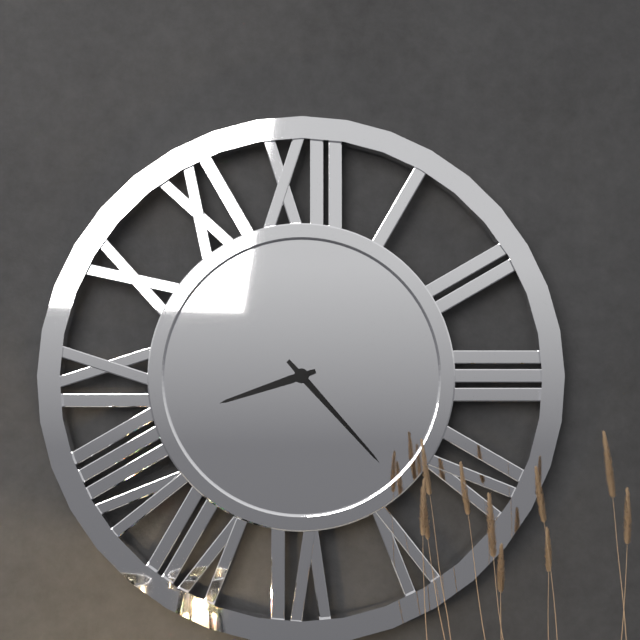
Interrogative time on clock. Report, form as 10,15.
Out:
8,23
